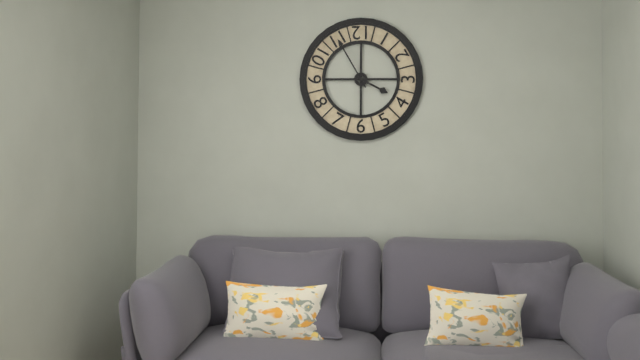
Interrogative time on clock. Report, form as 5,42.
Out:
3,55
